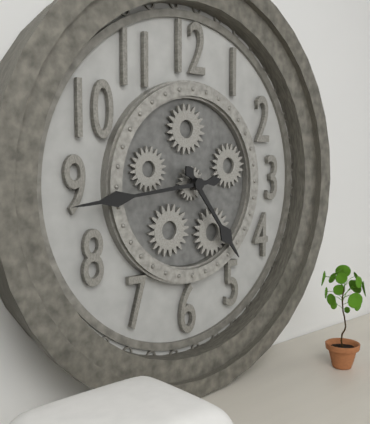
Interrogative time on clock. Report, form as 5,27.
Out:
4,44
